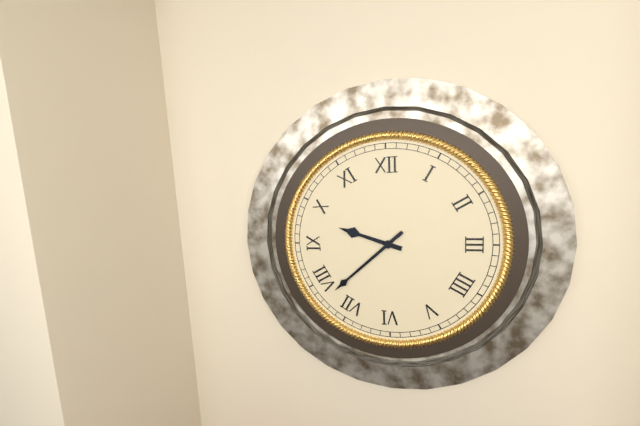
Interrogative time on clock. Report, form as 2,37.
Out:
9,38
